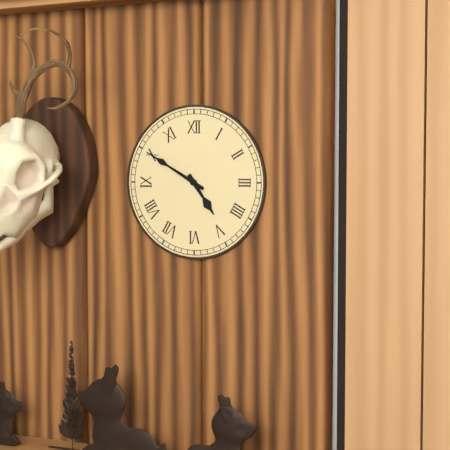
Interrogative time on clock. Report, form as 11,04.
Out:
4,50
